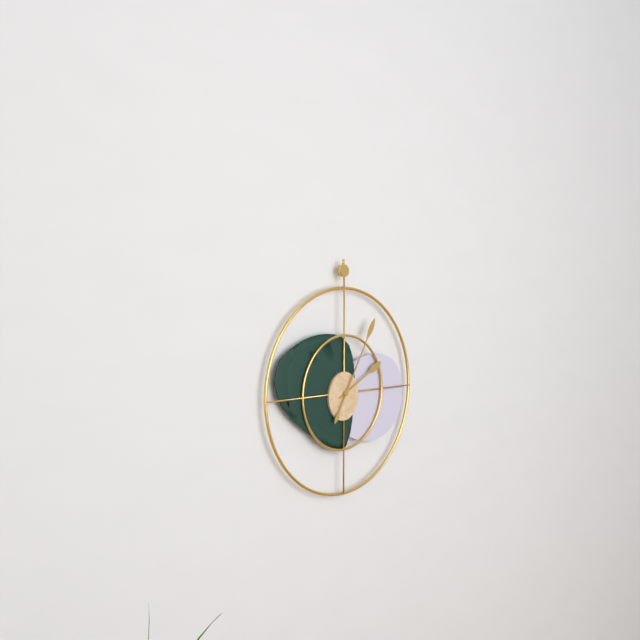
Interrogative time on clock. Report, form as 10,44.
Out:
2,05
